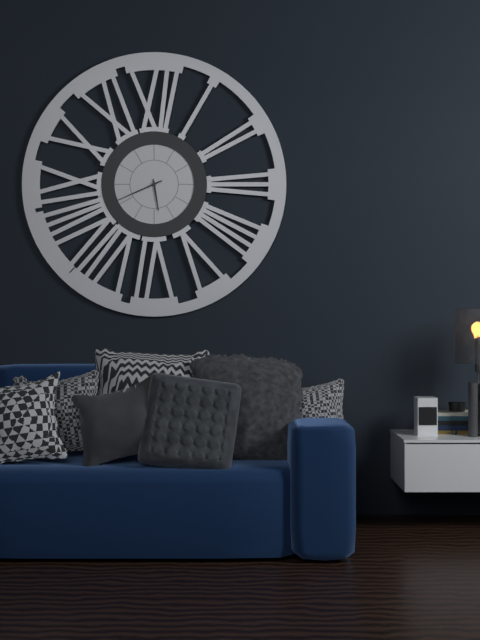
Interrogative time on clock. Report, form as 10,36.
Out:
5,41
